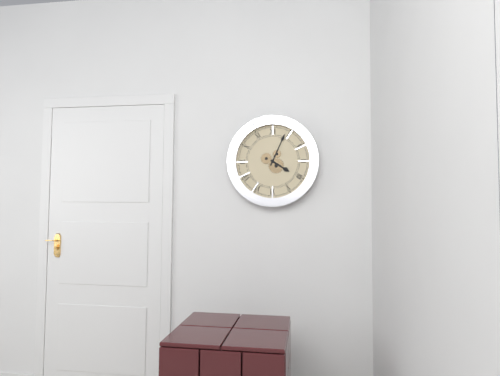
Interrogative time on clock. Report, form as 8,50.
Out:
4,04
